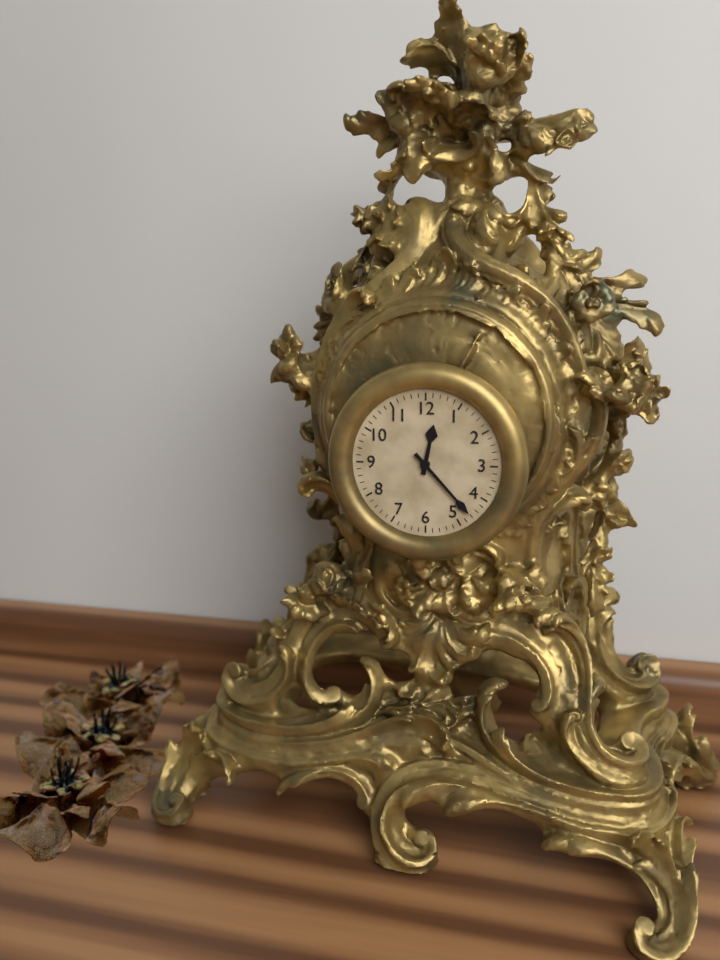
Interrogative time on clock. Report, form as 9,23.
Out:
12,23
